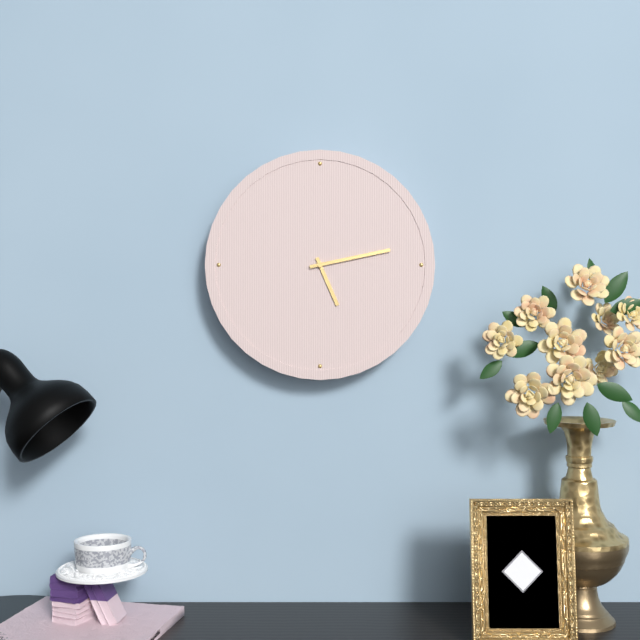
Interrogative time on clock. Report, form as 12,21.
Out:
5,13
